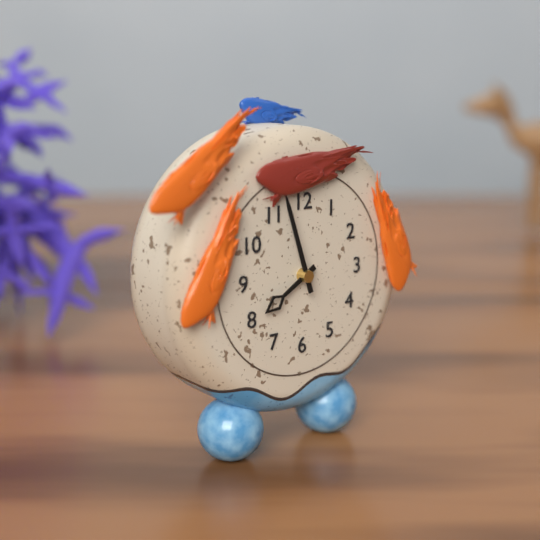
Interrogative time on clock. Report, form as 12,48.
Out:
7,57
